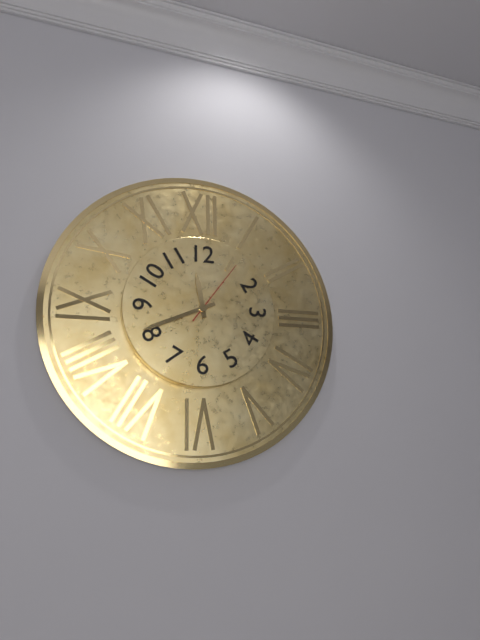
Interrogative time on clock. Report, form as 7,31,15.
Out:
11,41,06
